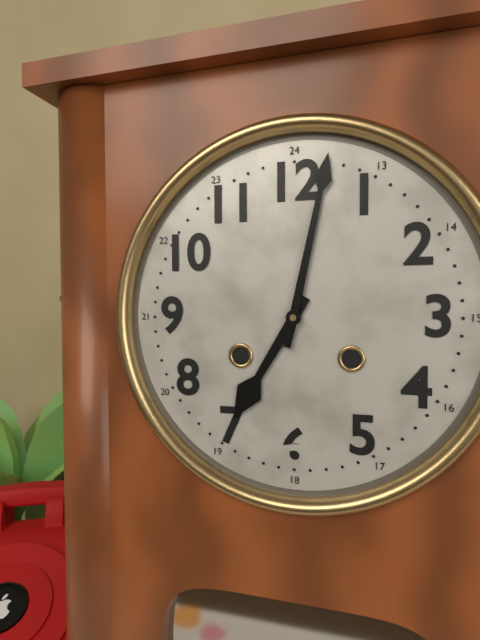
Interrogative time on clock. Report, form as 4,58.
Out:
7,02
